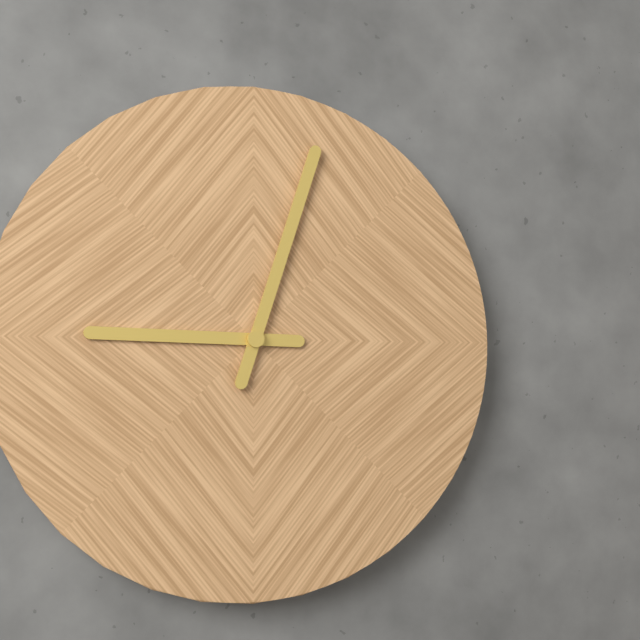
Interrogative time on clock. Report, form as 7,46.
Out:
9,03
